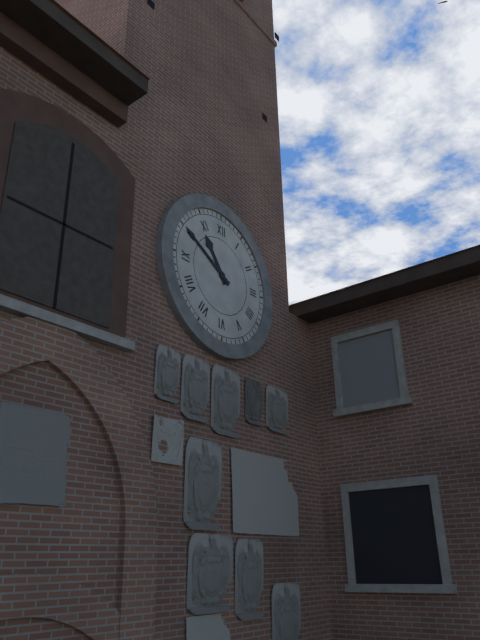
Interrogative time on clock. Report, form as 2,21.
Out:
10,50
